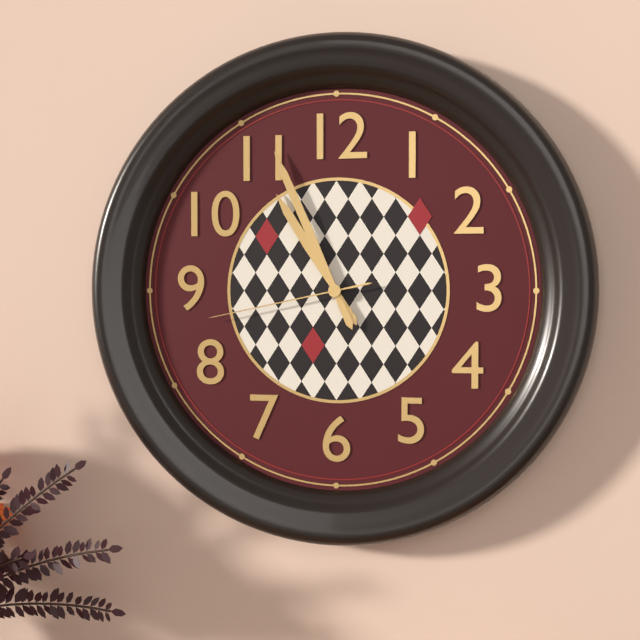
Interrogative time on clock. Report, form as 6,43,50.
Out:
10,56,43
